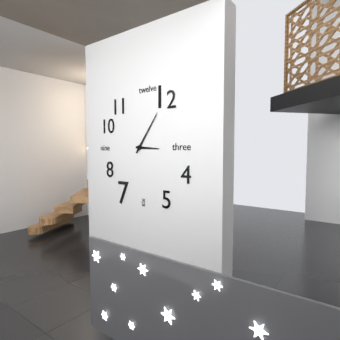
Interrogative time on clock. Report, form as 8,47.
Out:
3,06
